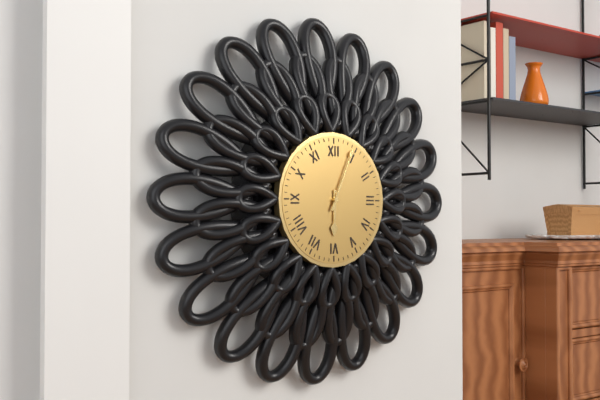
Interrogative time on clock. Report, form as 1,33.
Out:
6,04
